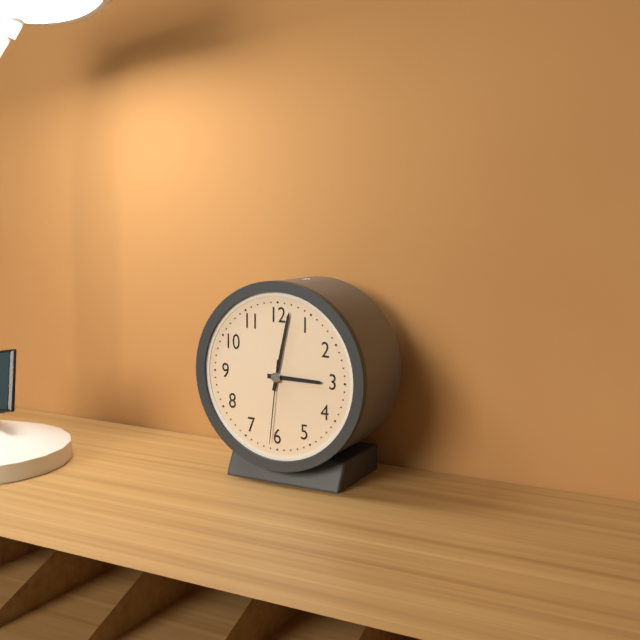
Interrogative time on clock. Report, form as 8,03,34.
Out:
3,02,31
